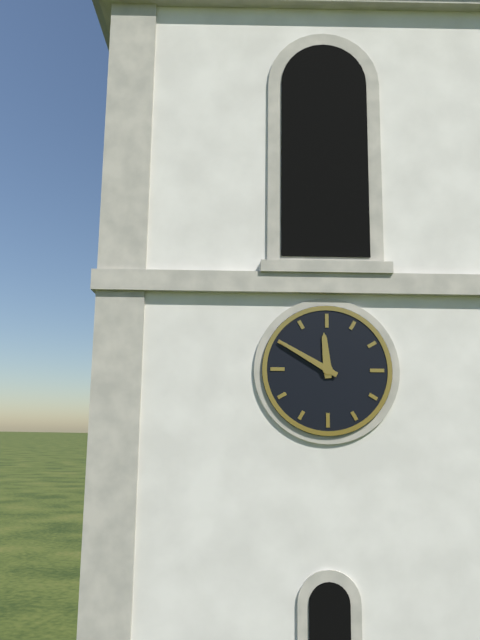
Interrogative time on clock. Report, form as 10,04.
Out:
11,50
